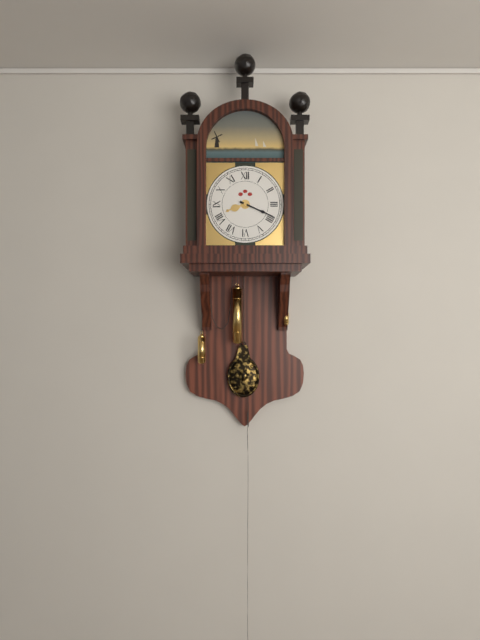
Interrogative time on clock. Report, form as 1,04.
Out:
8,19
